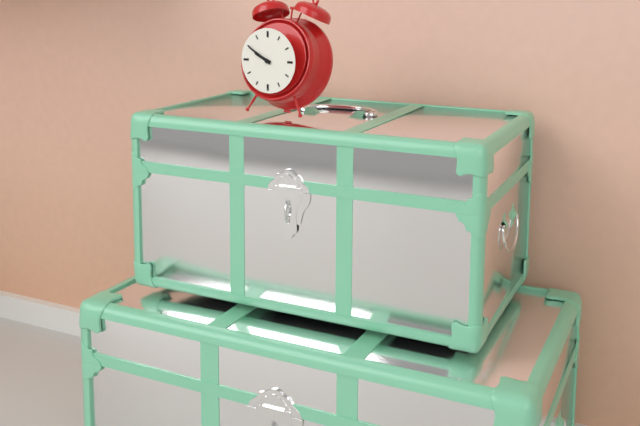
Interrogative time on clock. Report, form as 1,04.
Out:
9,50
